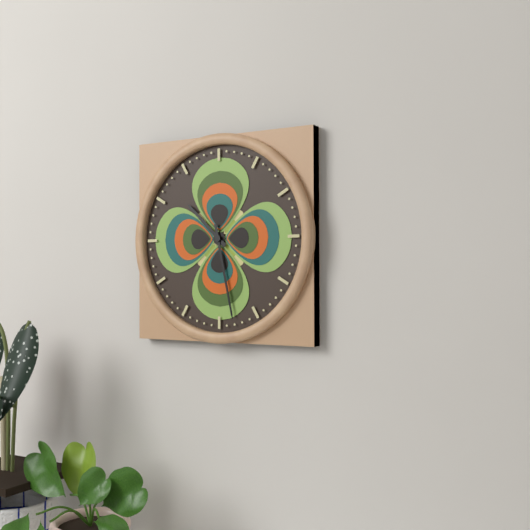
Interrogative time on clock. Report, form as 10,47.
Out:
10,28
